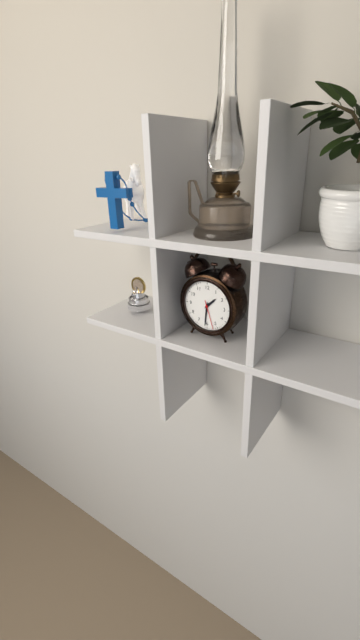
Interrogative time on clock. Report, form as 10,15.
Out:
1,31
